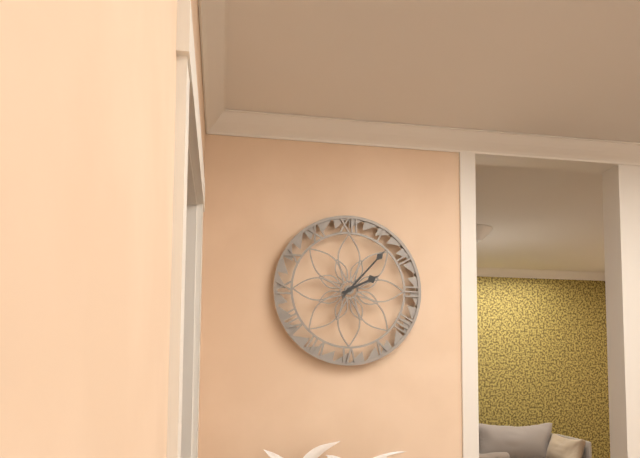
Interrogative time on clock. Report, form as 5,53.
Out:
2,07
